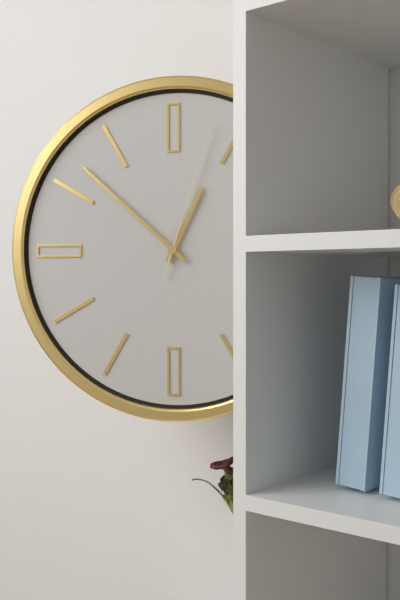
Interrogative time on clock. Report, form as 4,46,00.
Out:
12,52,03
